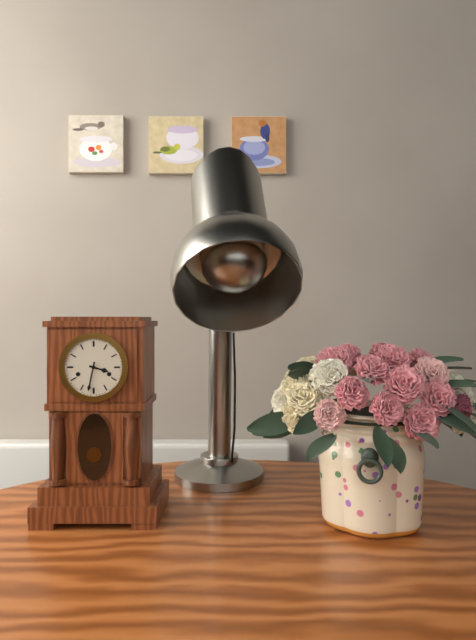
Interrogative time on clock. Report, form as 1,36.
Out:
3,32
